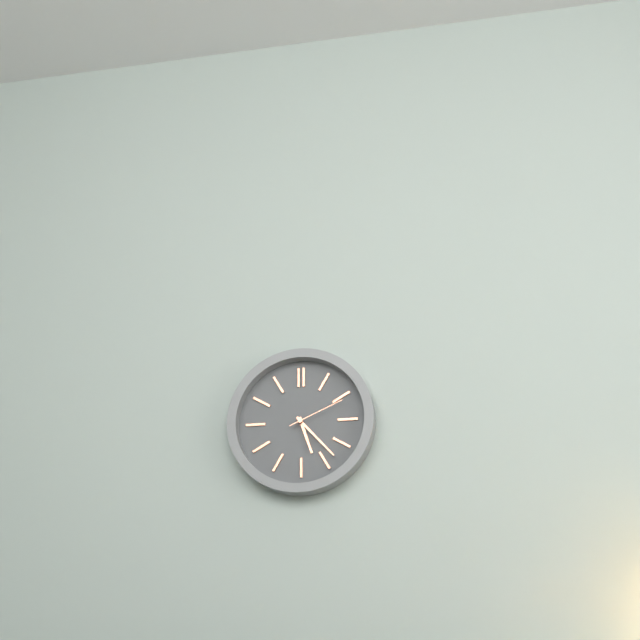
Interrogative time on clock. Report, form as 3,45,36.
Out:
5,23,11
